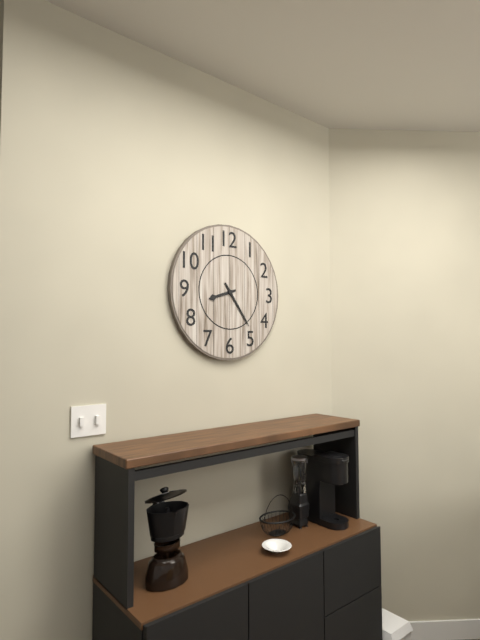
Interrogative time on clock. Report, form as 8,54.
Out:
8,24
